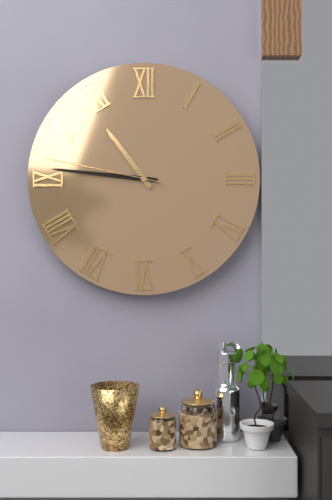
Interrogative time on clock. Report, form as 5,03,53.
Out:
10,46,47
